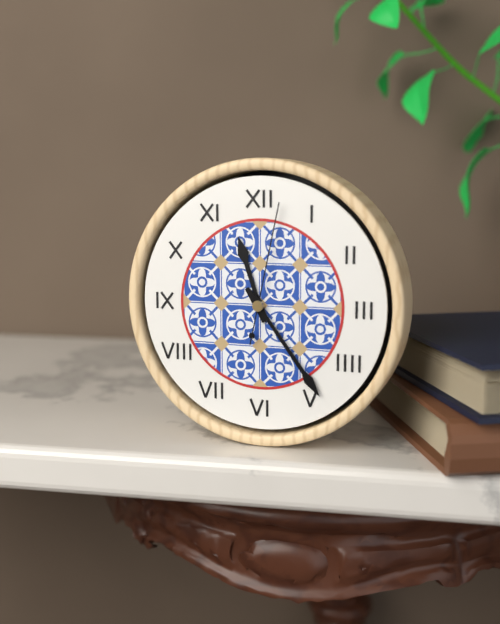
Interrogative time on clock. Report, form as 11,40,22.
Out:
11,24,02
